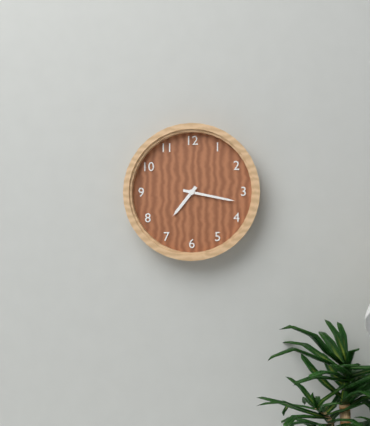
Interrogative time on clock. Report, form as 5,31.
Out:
7,17
